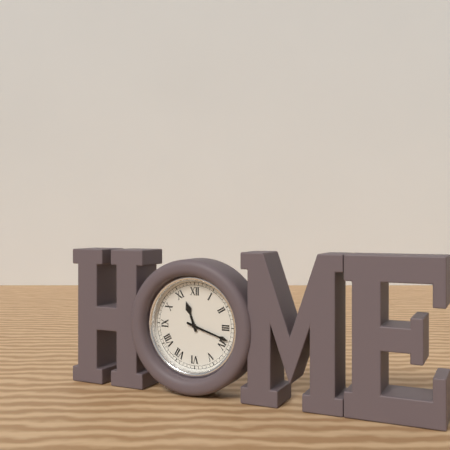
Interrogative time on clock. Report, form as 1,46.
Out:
11,18
